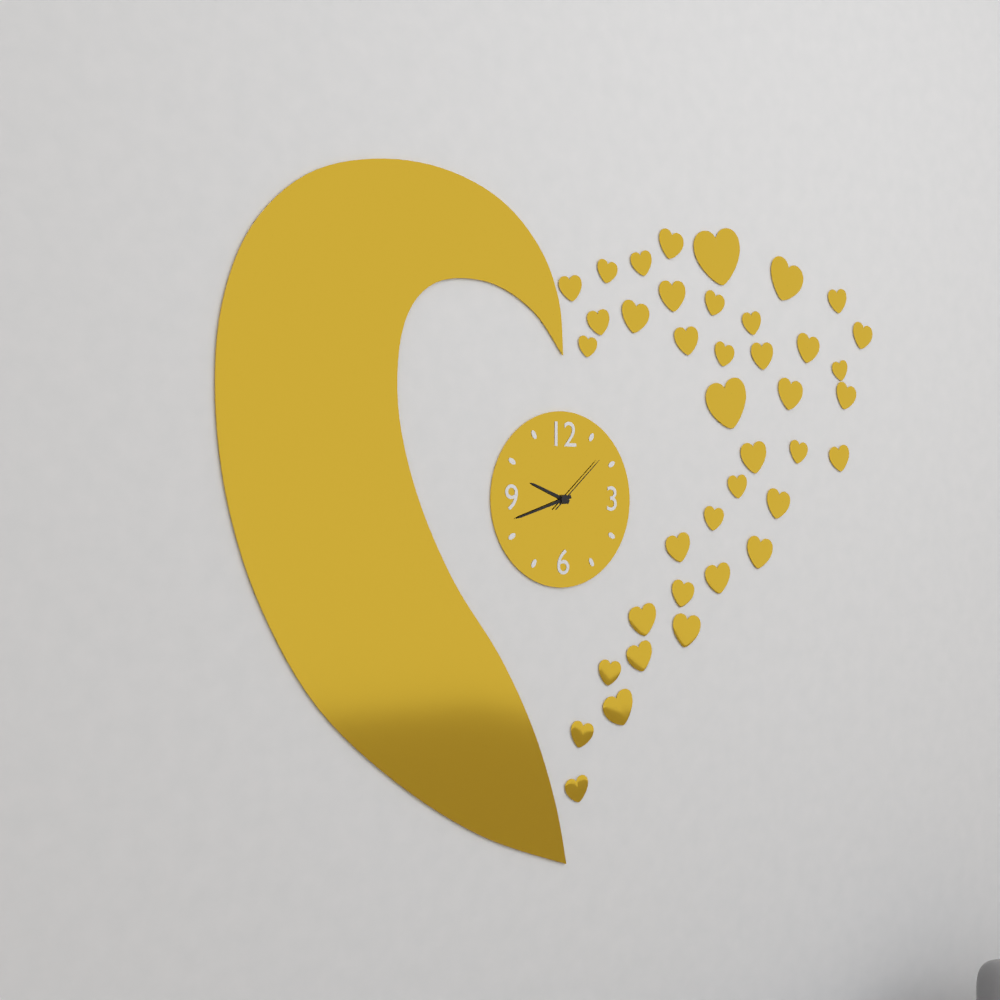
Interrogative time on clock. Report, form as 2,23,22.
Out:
9,42,08
